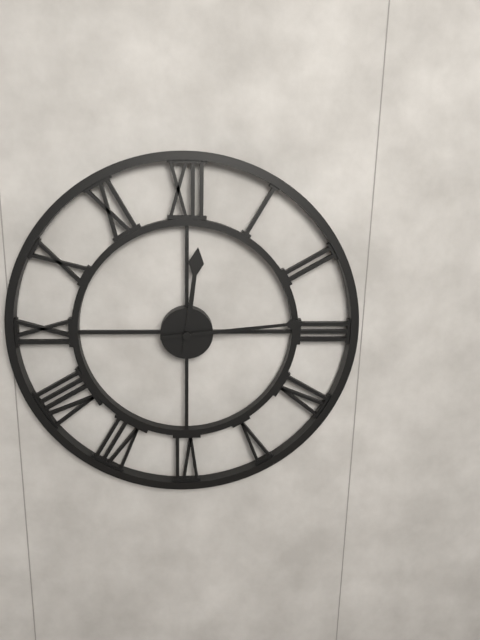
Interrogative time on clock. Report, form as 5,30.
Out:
12,14
